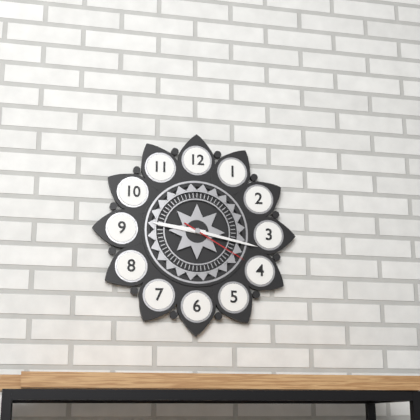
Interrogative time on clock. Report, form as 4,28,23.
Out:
9,17,20
